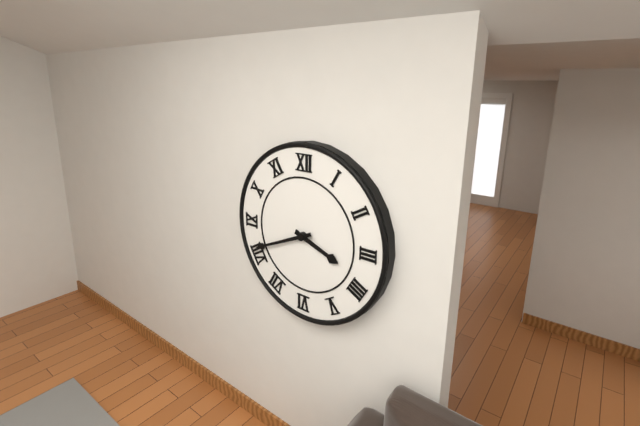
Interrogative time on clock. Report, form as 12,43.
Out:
3,41
